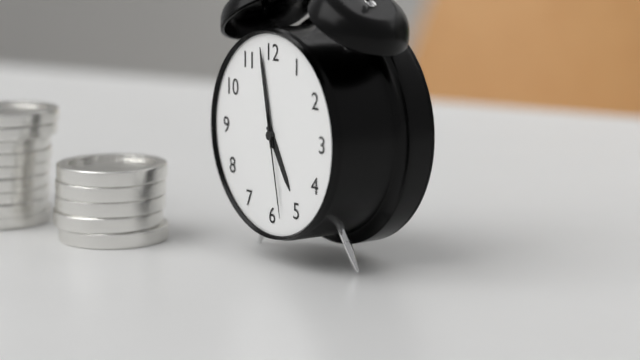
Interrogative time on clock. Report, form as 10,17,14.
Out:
4,58,28
